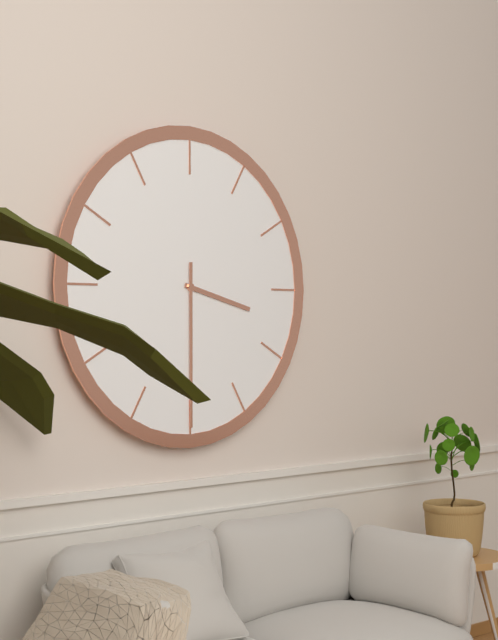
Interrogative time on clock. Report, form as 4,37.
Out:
3,30
